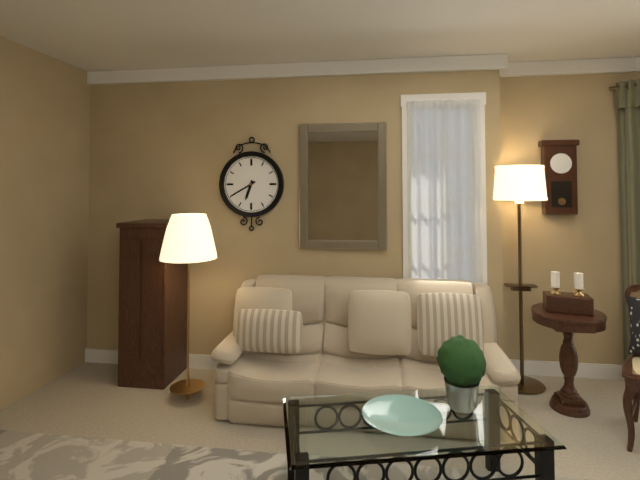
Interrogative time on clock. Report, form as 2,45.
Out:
6,40
